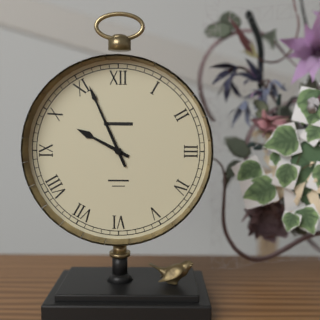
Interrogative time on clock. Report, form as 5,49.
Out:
9,56
